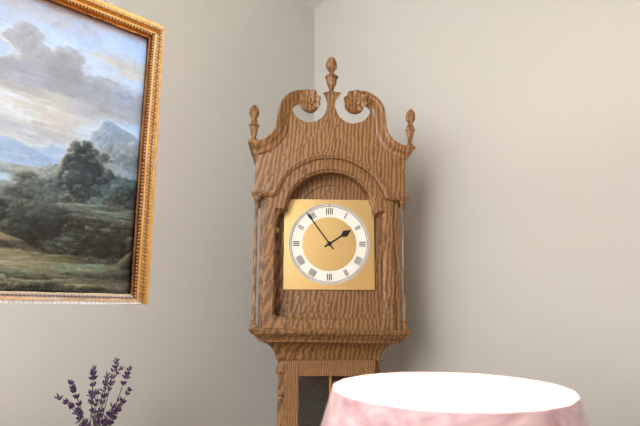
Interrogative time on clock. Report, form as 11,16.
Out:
1,54
